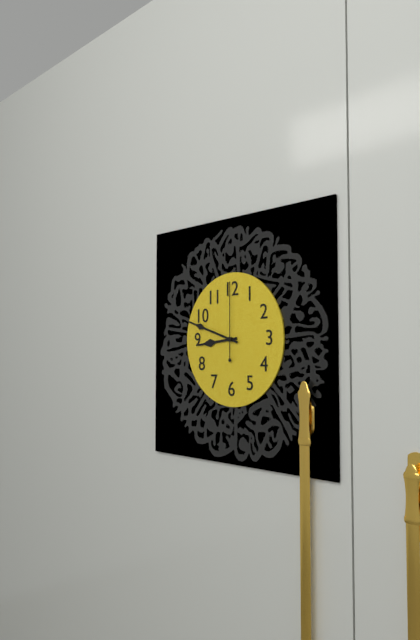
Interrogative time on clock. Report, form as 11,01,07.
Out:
8,48,00
